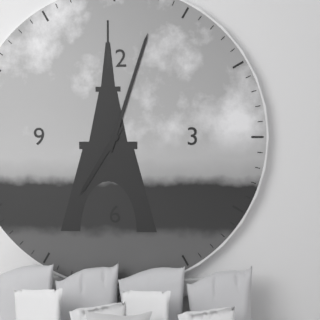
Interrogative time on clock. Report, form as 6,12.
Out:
7,03
